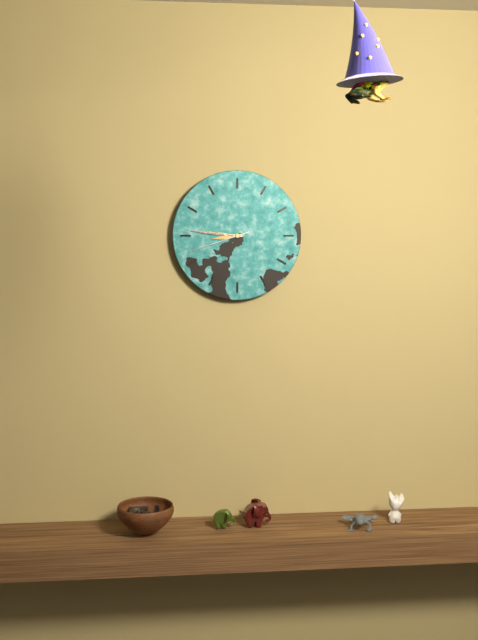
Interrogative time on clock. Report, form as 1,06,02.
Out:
8,46,42
